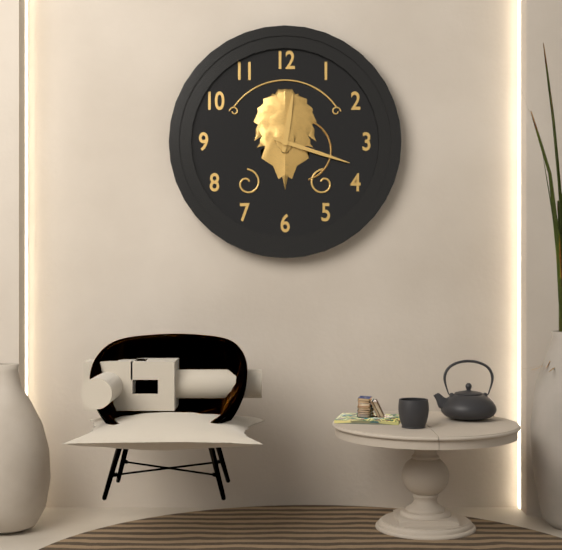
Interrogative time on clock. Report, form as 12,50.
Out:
12,18
